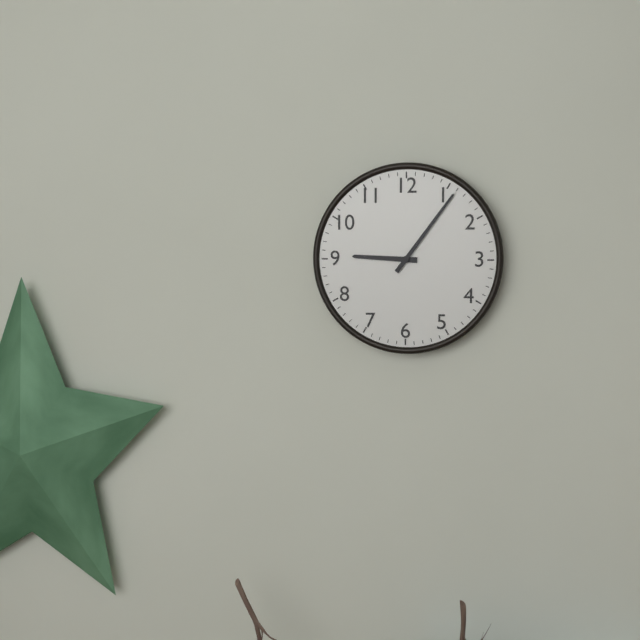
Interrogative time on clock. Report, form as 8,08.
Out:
9,06
